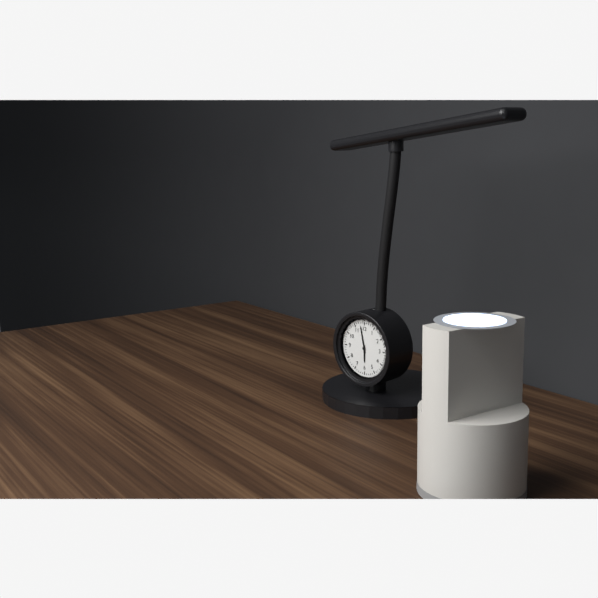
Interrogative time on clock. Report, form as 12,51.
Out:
5,58
